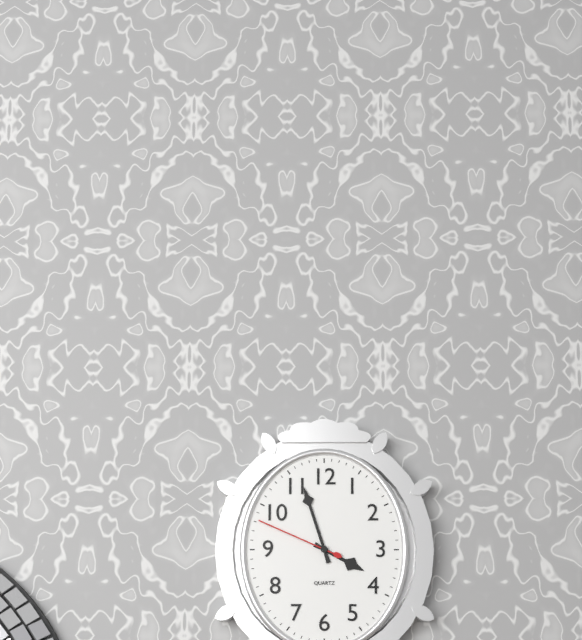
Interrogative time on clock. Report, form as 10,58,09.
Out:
3,57,49
